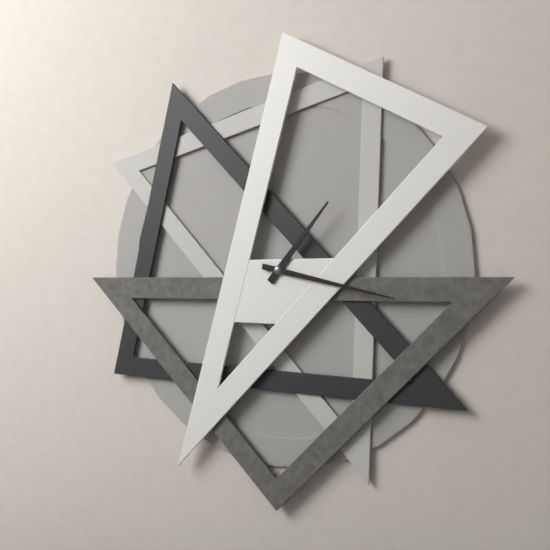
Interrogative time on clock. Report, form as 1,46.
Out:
1,17
